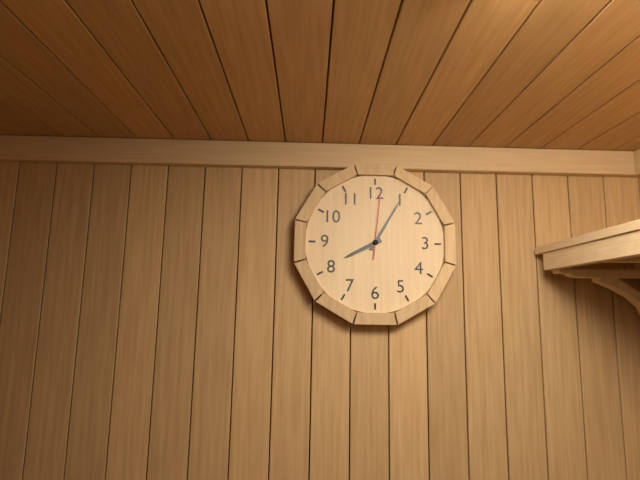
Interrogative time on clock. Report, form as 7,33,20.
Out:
8,05,01
